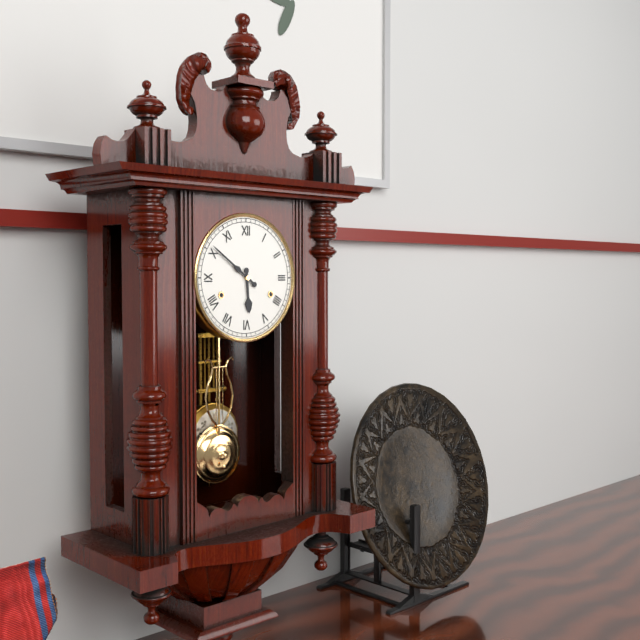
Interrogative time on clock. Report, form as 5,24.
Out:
5,51
